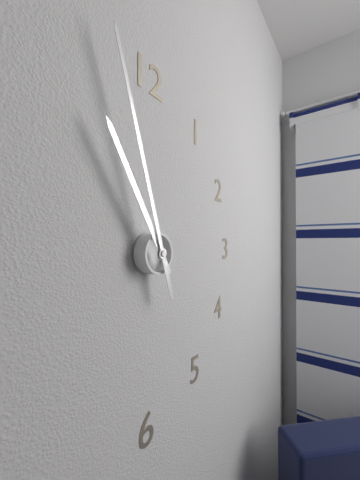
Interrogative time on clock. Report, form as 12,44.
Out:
10,57
